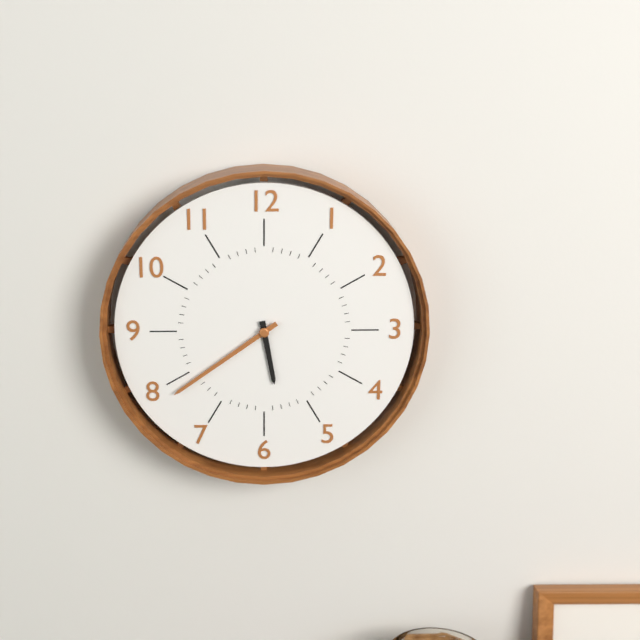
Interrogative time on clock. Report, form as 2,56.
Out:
5,39
